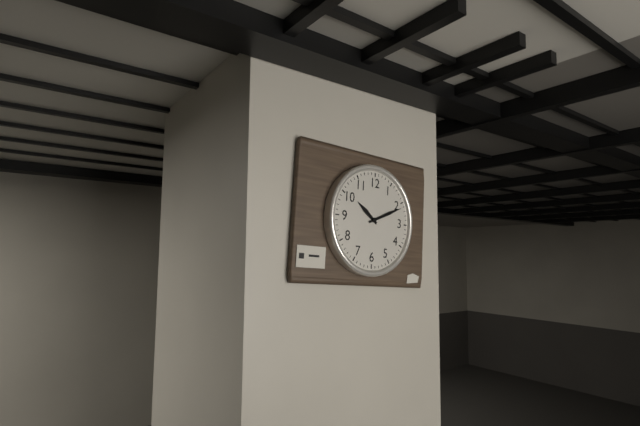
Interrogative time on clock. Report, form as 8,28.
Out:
10,11
